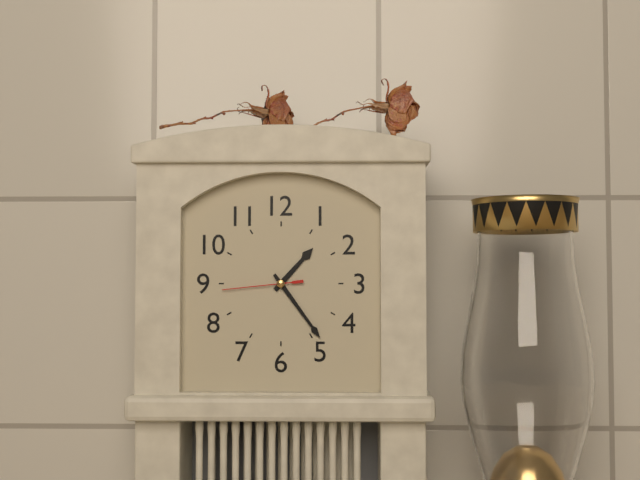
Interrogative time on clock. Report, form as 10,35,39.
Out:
1,24,44
